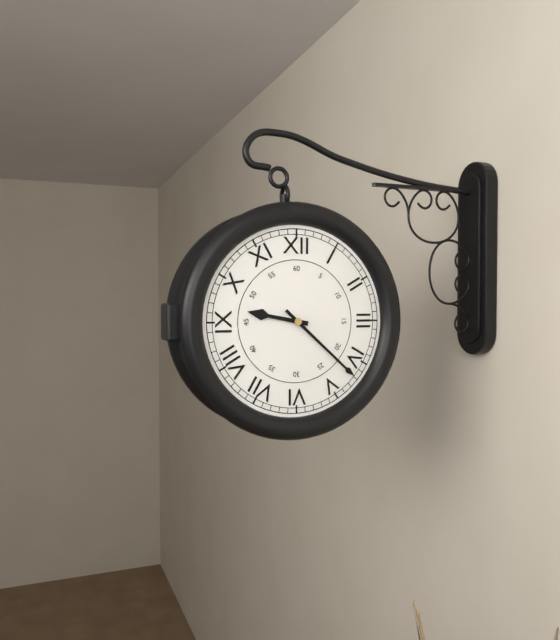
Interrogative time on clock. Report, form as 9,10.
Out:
9,22
